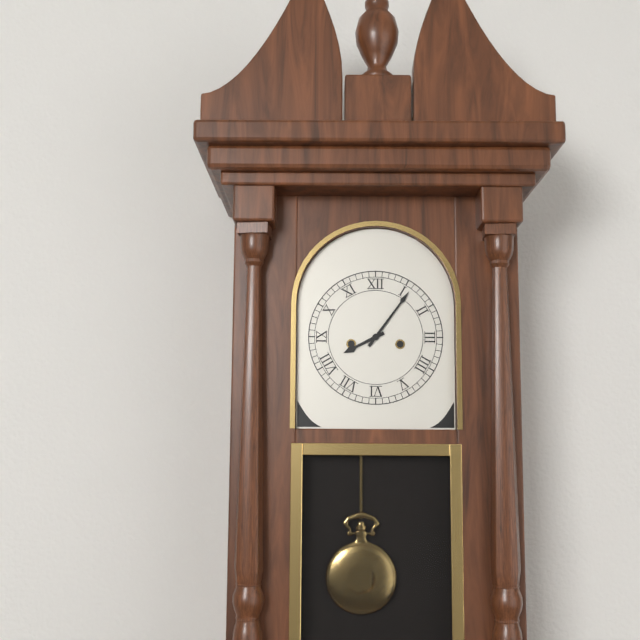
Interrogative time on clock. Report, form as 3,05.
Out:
8,06
